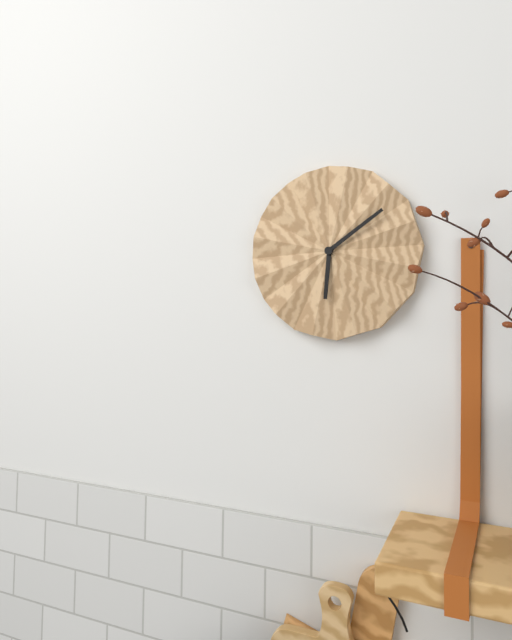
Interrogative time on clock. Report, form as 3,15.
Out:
6,09
